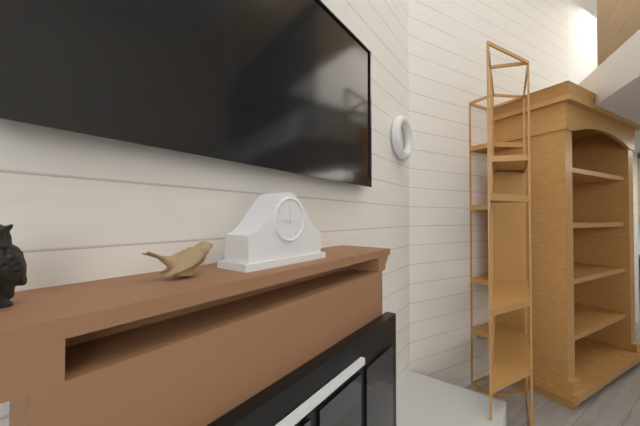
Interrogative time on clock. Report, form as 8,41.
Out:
8,59
